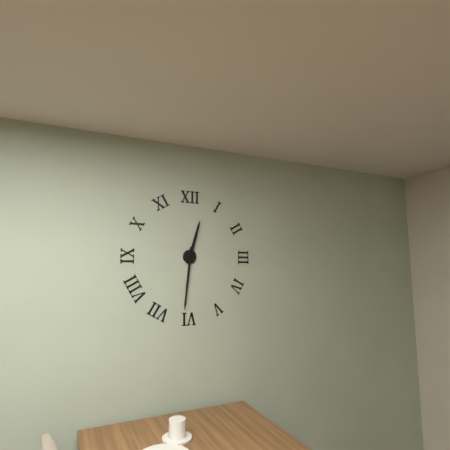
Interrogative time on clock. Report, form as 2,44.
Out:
12,31
